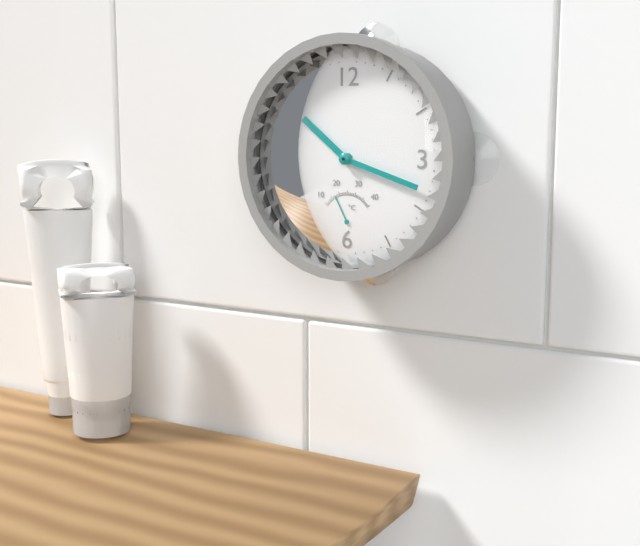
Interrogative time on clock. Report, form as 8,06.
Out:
10,18
